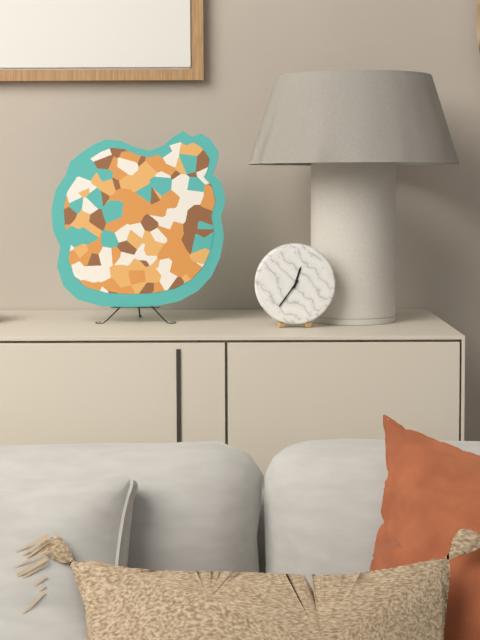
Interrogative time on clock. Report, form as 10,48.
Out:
12,36
